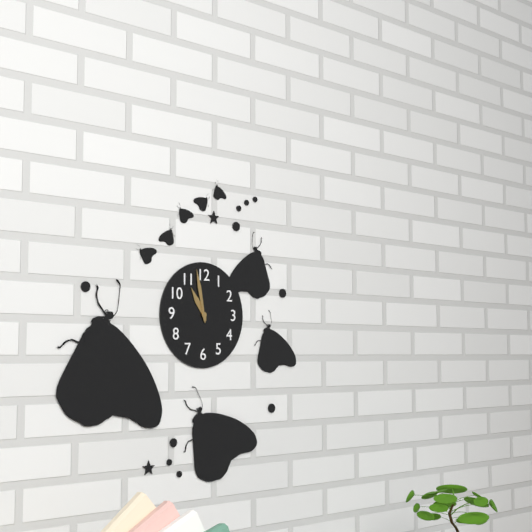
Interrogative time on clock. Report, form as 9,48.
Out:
10,58
